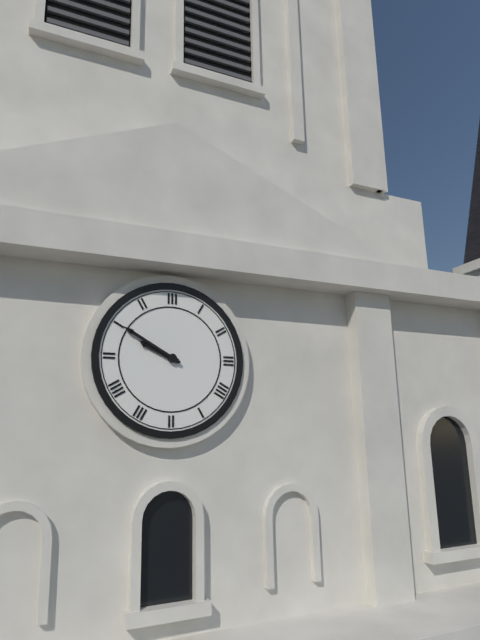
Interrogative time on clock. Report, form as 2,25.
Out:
9,50
